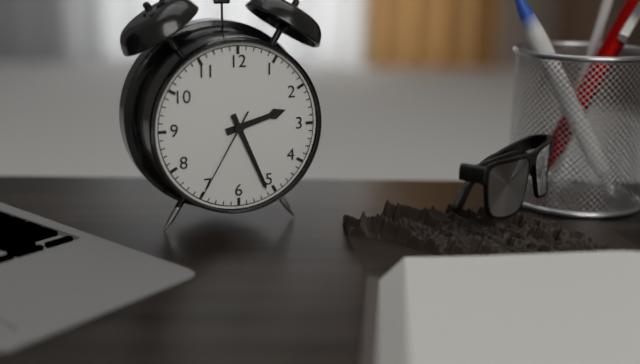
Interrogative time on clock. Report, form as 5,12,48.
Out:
2,26,35
